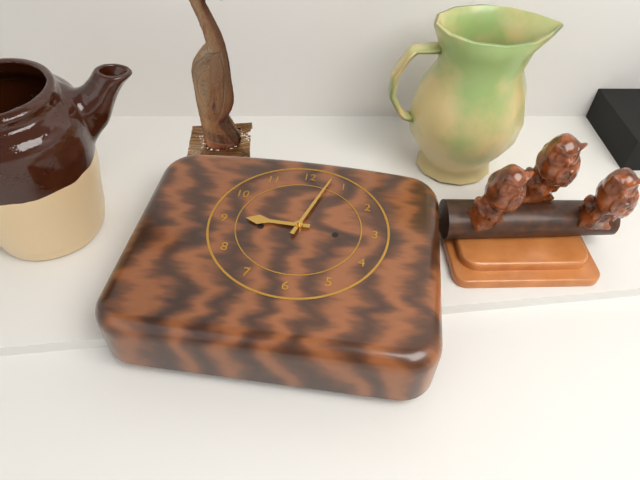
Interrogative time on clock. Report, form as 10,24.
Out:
9,03
